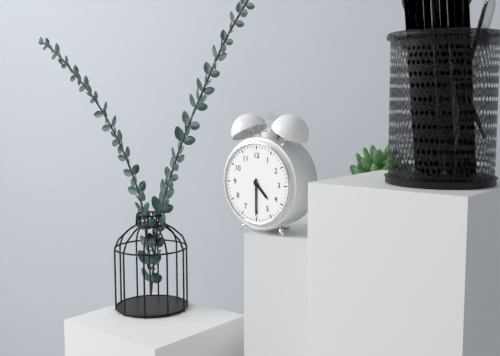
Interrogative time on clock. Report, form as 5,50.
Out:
4,30
